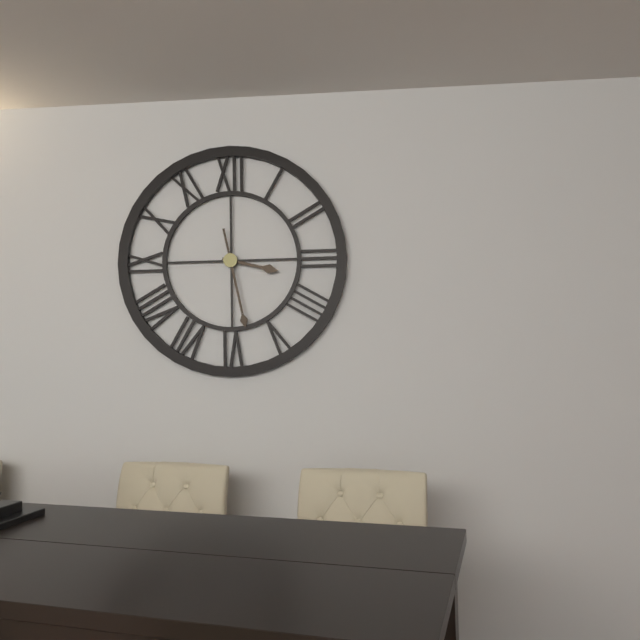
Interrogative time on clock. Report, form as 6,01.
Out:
3,28
